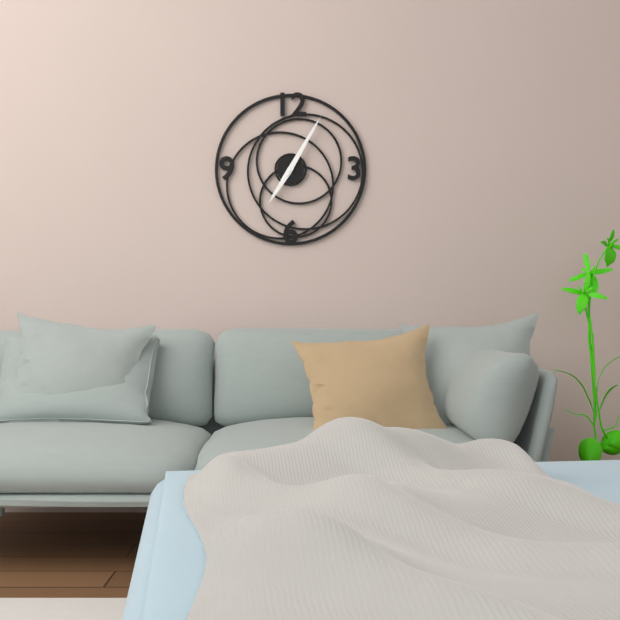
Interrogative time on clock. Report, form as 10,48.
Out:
7,05
